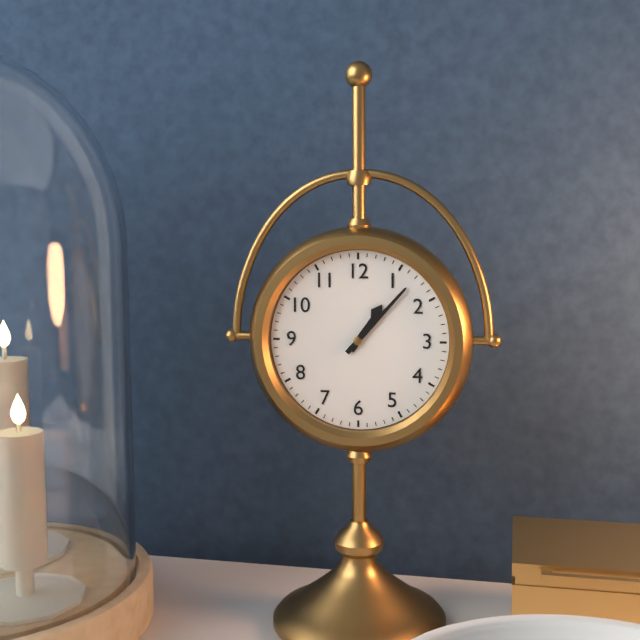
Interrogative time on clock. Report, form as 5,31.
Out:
1,07
